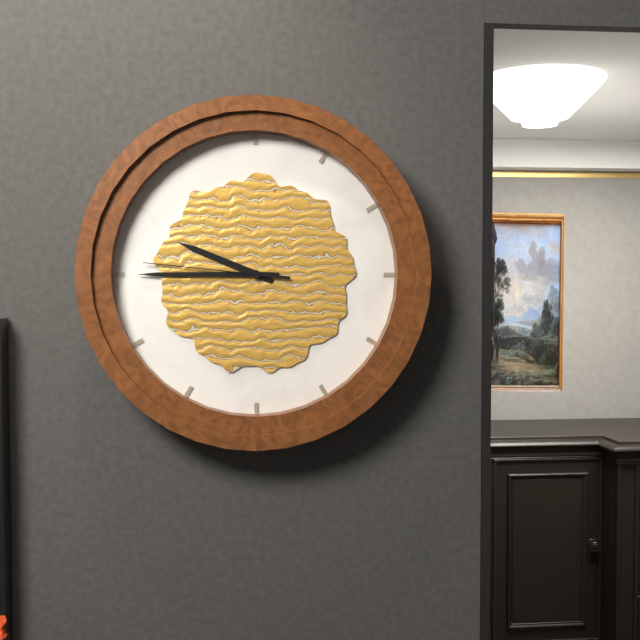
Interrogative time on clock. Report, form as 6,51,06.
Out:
9,45,46
